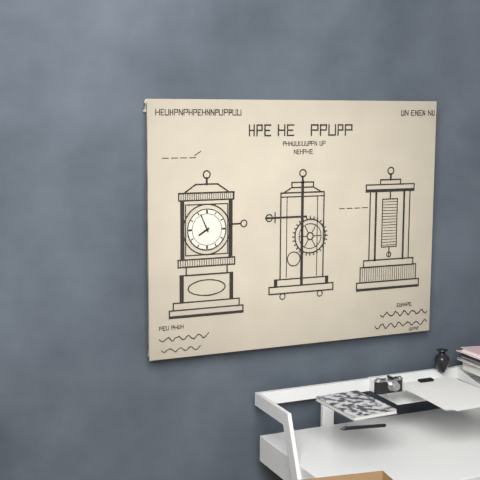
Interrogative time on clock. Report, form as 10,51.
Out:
7,56
